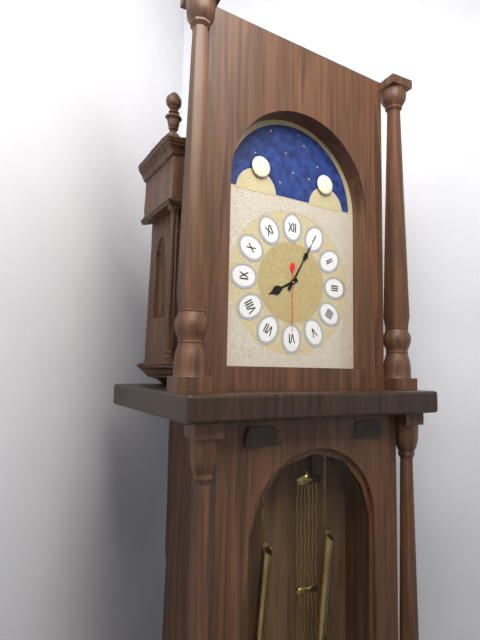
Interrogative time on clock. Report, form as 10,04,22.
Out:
8,05,30
